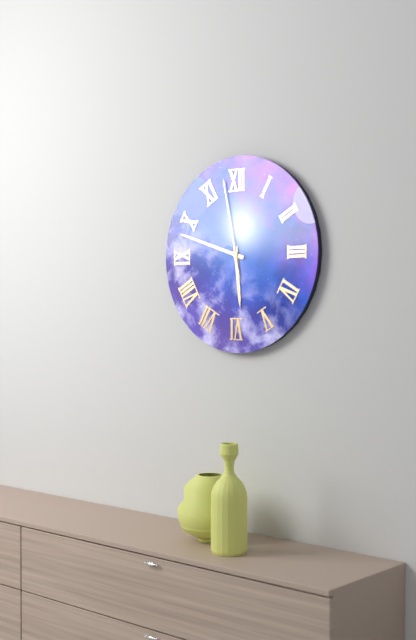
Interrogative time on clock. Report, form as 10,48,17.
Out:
5,48,58
